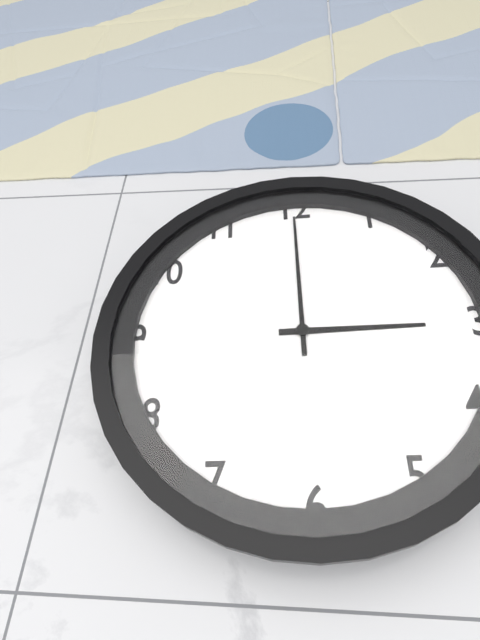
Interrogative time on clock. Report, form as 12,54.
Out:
3,00
